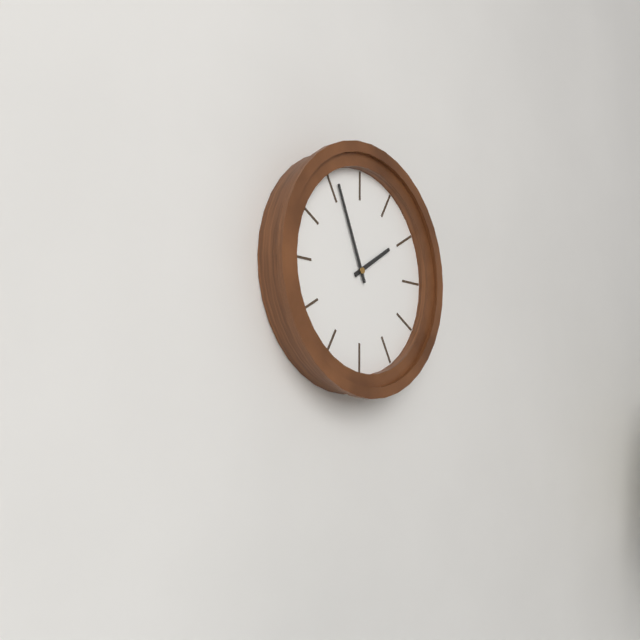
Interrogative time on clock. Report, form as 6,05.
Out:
1,56
